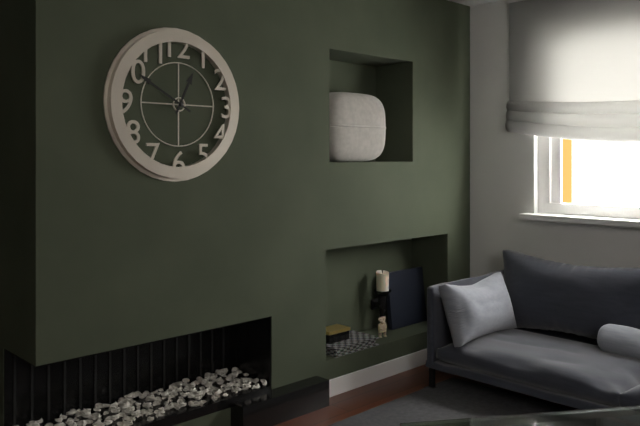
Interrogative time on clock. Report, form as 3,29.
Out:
12,50
